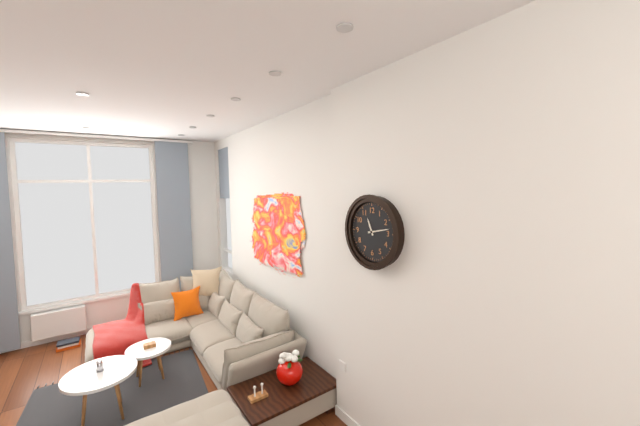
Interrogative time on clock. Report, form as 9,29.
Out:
11,13
